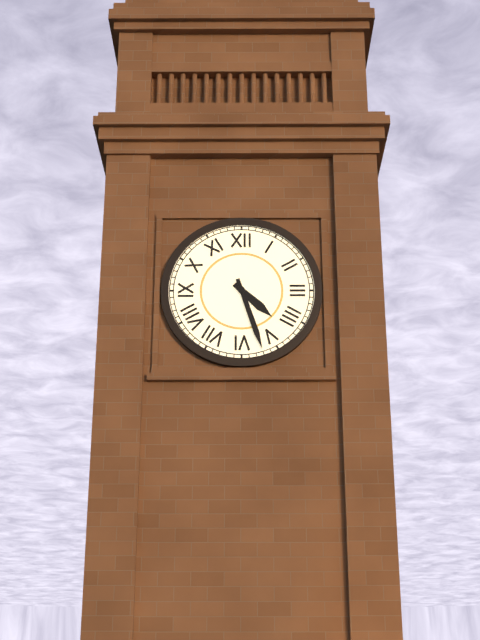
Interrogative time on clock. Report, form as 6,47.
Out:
4,27
